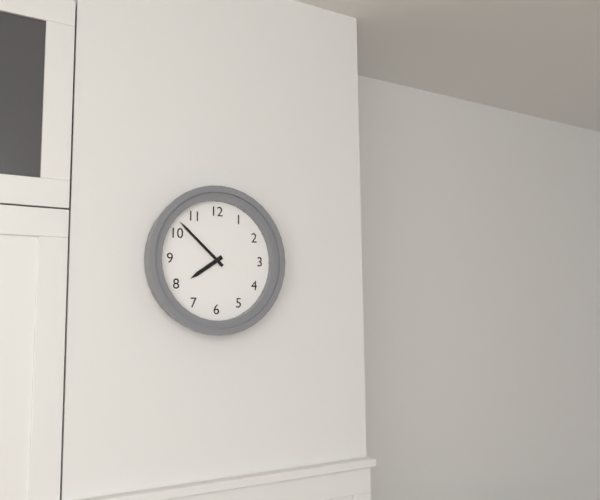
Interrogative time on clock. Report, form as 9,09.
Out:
7,52
